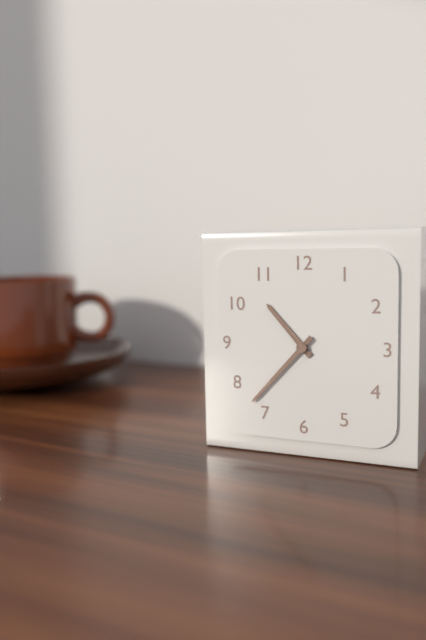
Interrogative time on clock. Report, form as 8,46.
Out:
10,37
